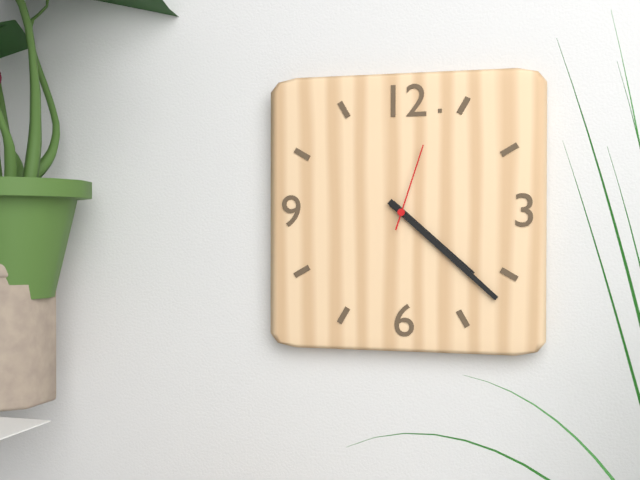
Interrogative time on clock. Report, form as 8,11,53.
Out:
4,22,03
